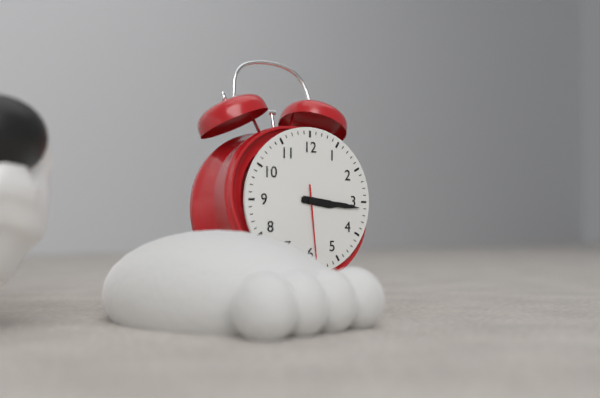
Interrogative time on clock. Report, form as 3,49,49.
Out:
3,16,29
